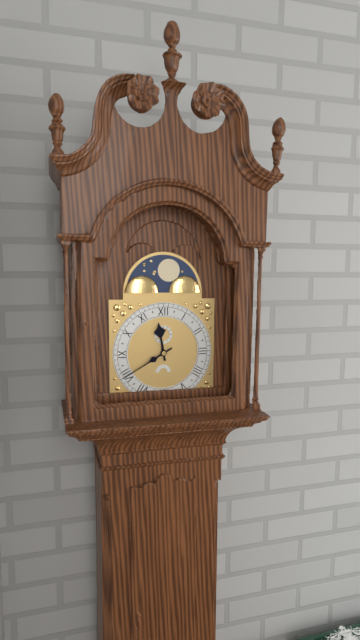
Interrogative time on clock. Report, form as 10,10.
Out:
11,40
